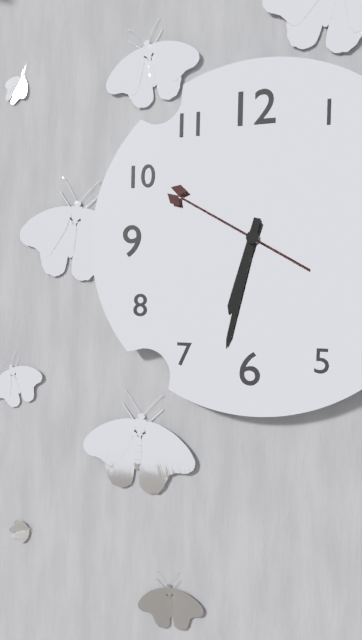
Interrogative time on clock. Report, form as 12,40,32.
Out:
6,32,50
